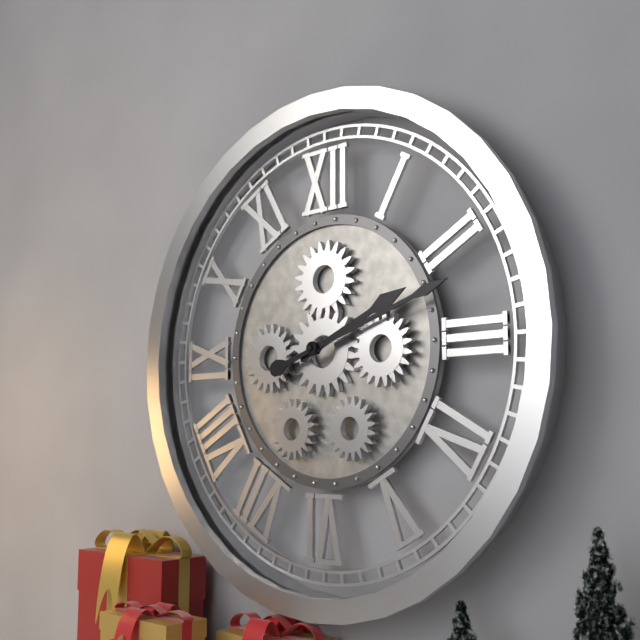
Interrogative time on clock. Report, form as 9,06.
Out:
2,12
